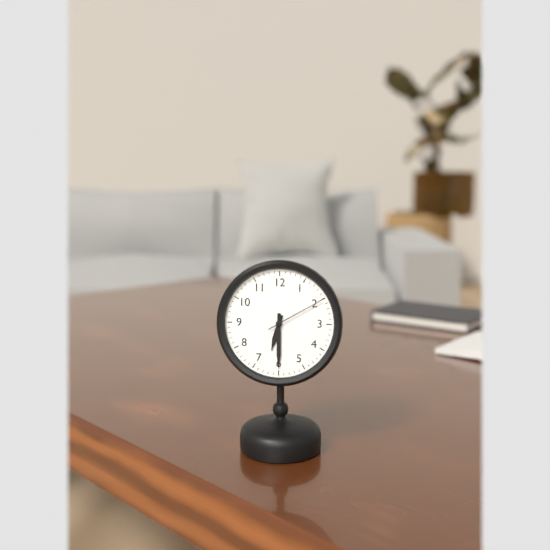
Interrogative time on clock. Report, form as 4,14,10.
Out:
6,30,10
